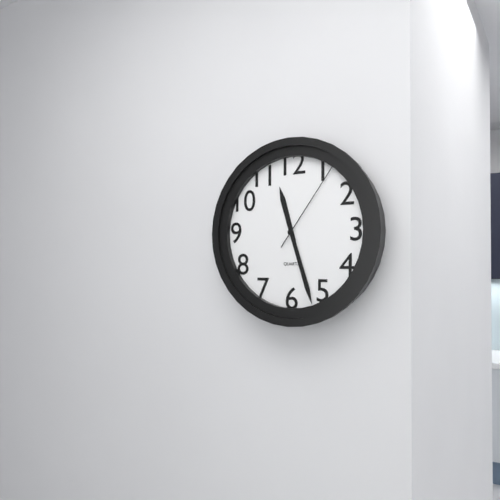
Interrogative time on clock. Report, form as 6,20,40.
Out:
11,27,06
